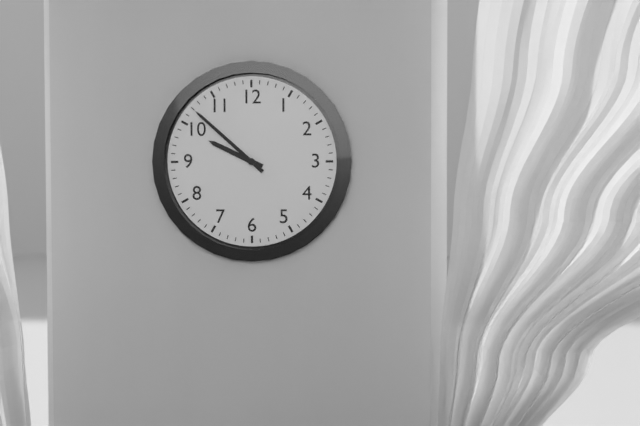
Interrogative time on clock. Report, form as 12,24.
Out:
9,52
